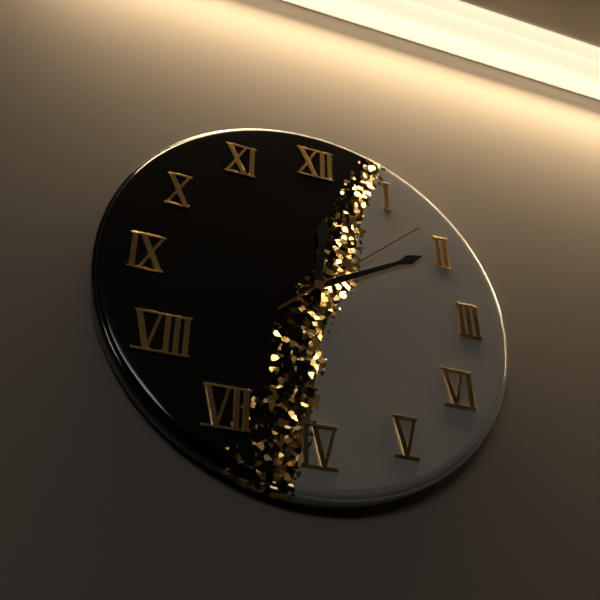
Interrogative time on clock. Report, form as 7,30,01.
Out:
12,10,08
